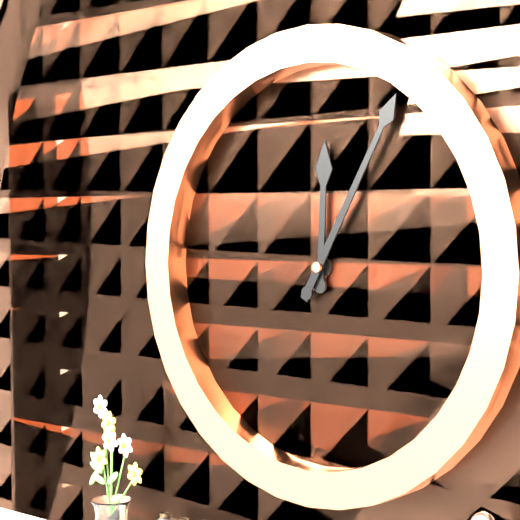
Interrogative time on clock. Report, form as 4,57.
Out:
12,05
